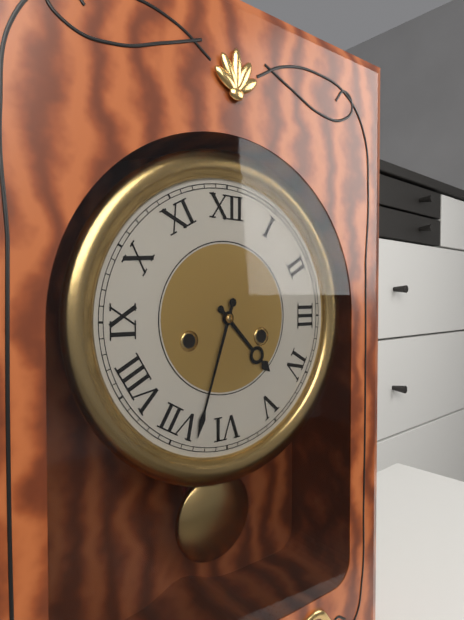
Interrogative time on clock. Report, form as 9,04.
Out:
4,33
